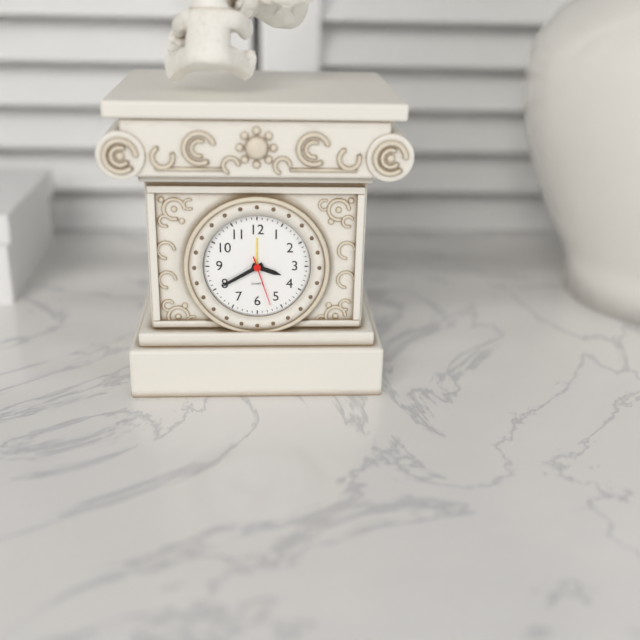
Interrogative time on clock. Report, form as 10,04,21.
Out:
3,40,27
